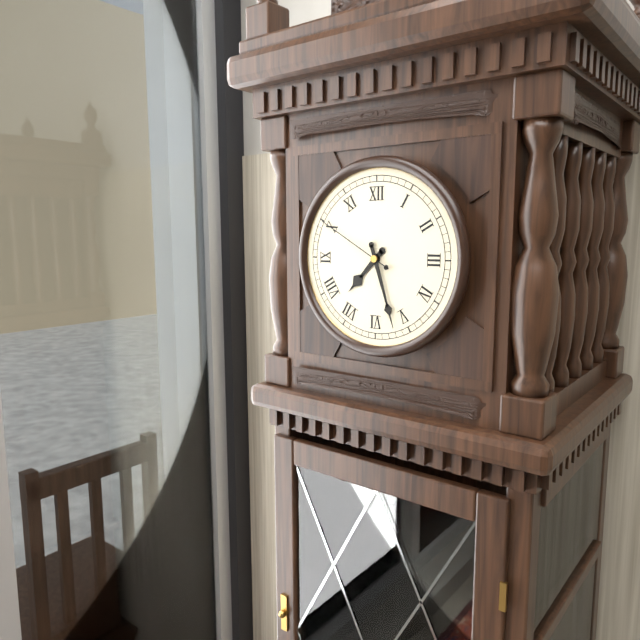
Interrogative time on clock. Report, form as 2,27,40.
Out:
7,27,50
